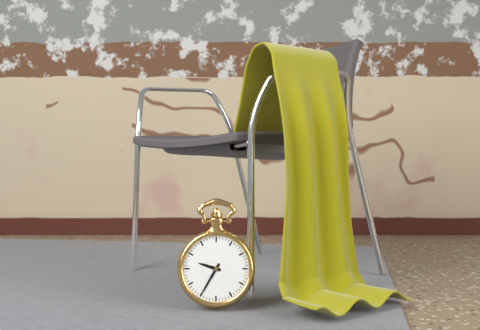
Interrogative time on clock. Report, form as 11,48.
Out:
9,35
